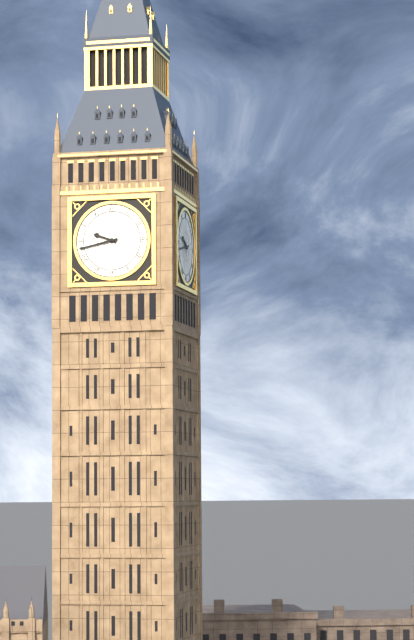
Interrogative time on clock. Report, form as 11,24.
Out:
9,43
